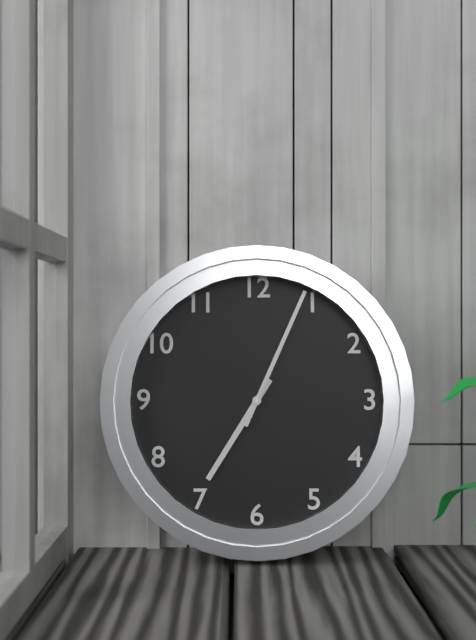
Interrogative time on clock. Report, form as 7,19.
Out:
7,04
